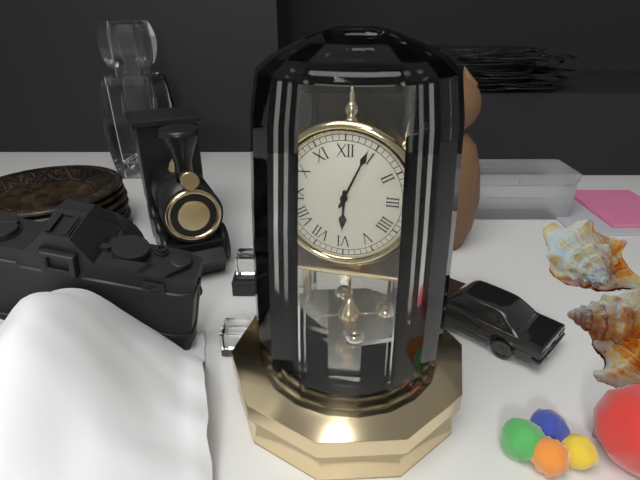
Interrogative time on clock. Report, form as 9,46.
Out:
6,04
